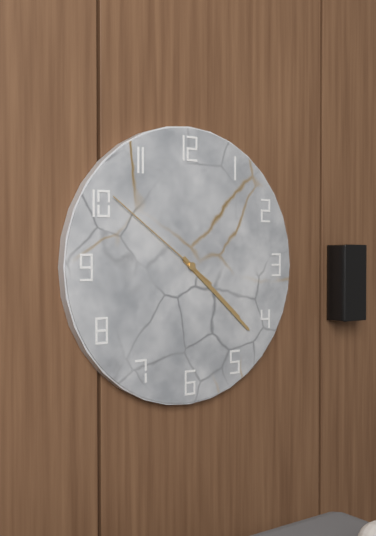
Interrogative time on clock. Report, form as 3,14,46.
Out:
4,22,51
